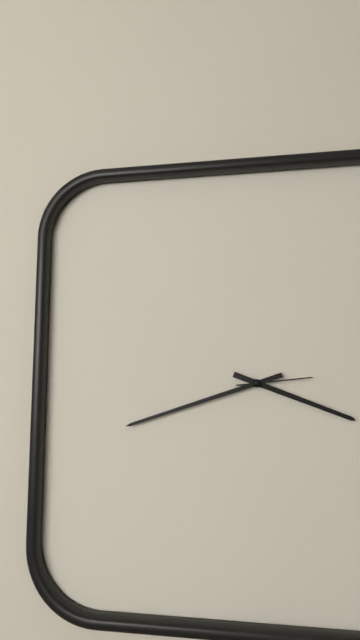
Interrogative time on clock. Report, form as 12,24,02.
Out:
3,42,14
